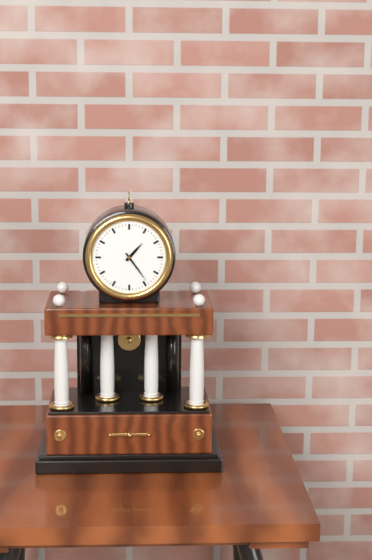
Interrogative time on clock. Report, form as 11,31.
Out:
1,24
